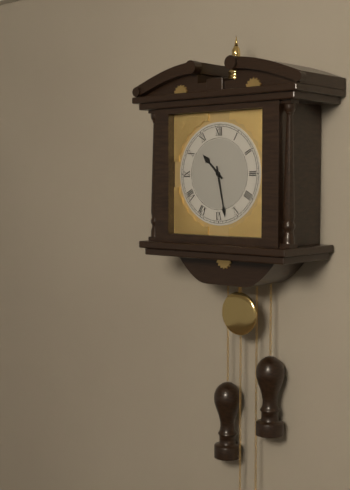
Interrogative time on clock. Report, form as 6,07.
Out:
10,28
